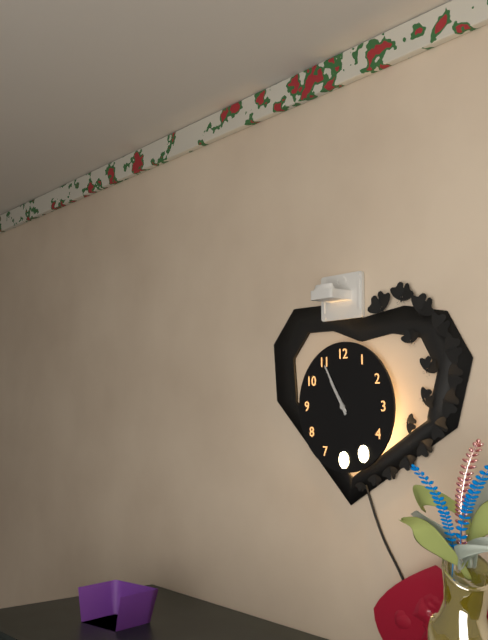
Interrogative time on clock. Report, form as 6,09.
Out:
10,55
